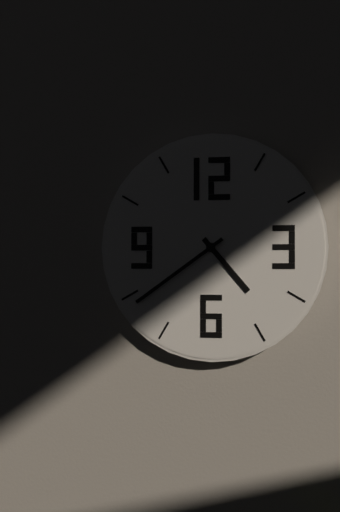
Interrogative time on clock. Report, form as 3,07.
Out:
4,39
